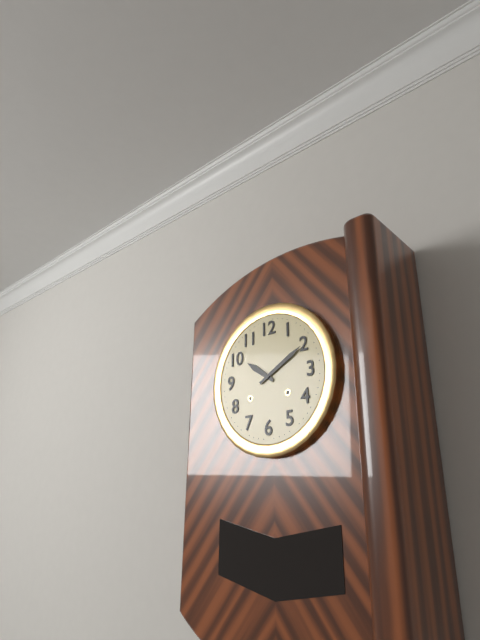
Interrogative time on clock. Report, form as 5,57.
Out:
10,10
